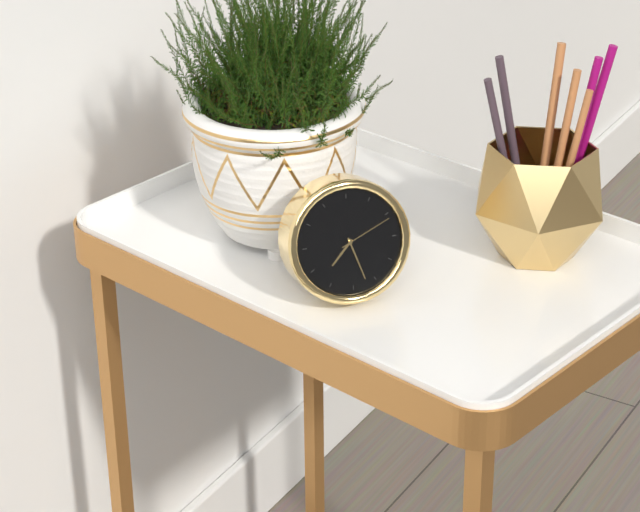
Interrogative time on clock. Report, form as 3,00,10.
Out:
7,27,11
